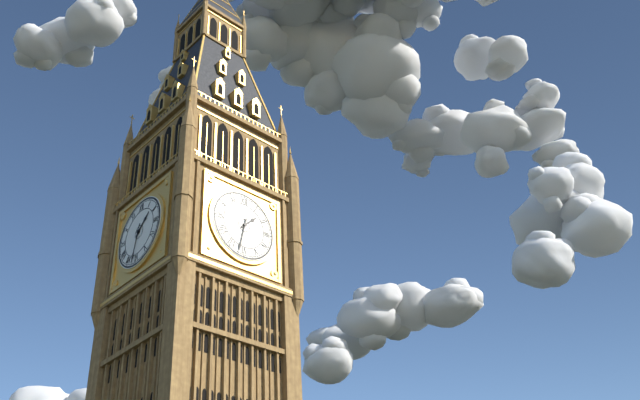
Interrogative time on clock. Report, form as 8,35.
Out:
1,32
